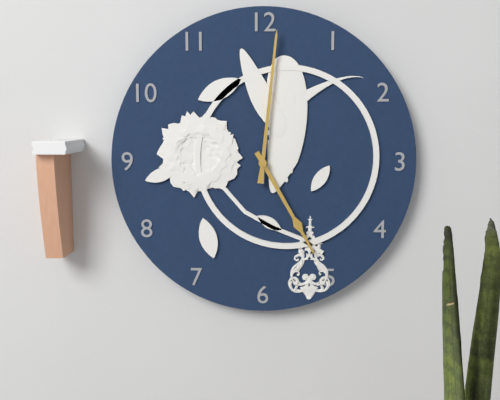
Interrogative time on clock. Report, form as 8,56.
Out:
5,01
